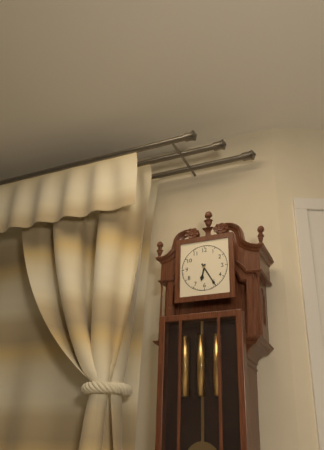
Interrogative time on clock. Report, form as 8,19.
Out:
6,25
